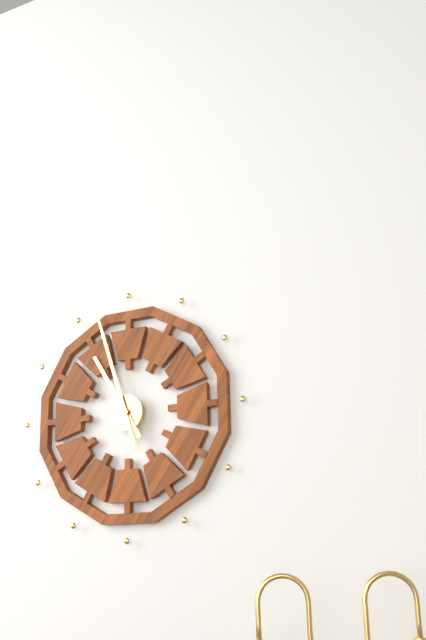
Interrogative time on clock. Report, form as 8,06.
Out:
10,57
